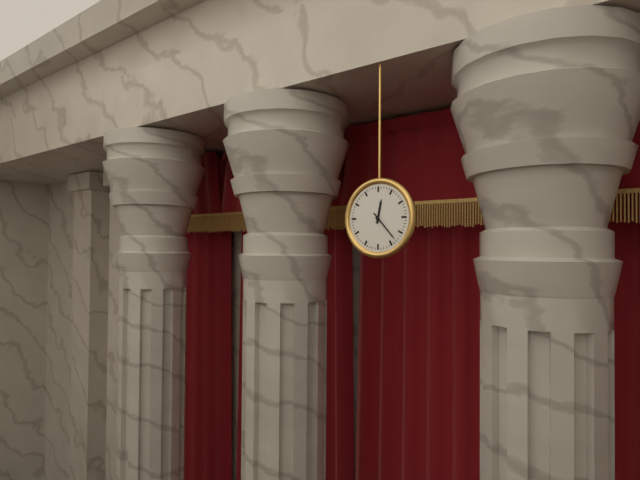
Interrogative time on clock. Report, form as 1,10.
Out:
12,23
